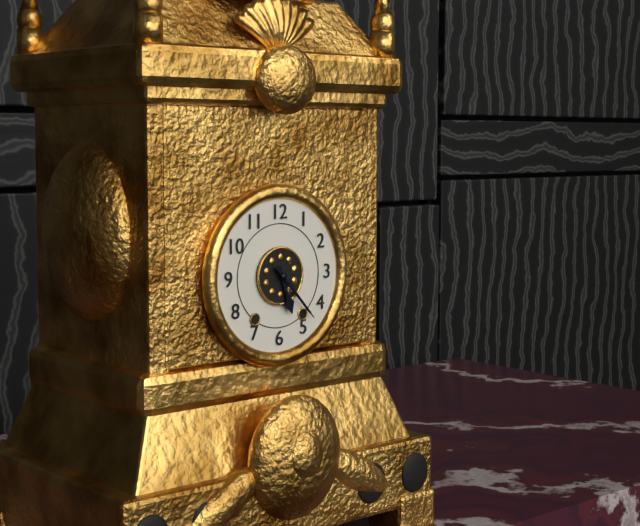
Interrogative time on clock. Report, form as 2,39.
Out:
5,23
